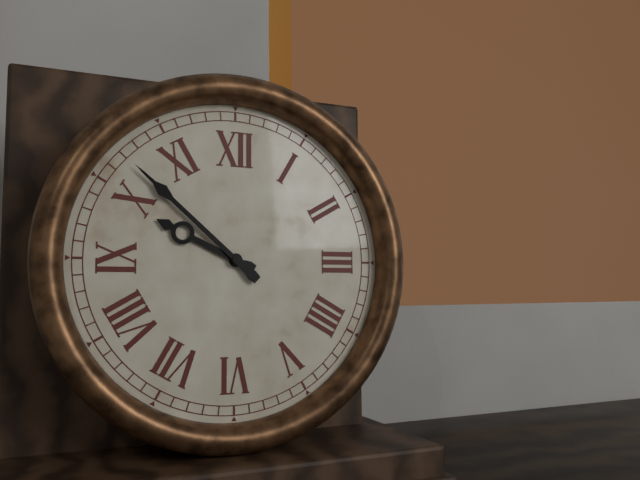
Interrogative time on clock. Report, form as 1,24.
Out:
9,52
